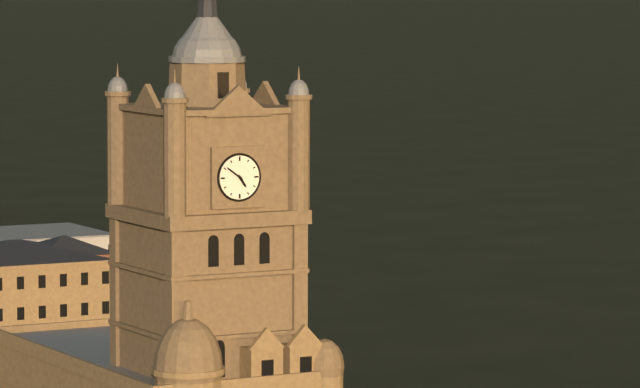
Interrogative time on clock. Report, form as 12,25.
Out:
4,51
